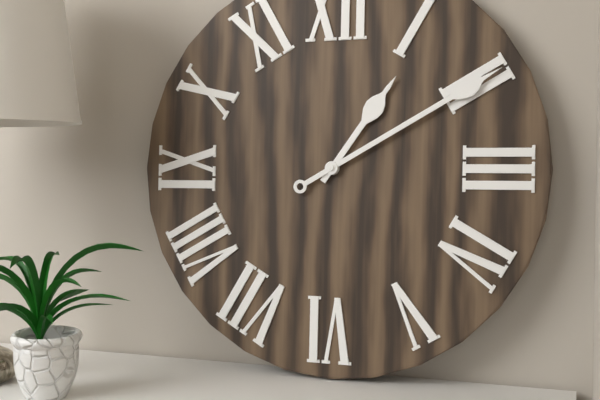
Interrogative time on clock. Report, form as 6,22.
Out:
1,10
